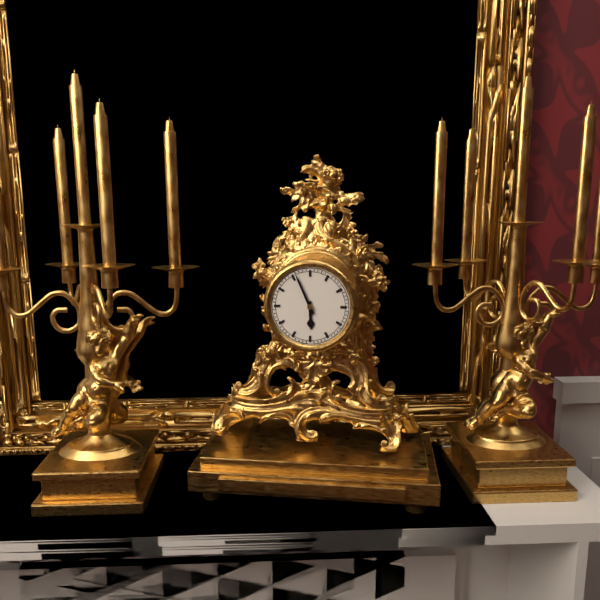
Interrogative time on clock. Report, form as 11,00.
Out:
5,56
